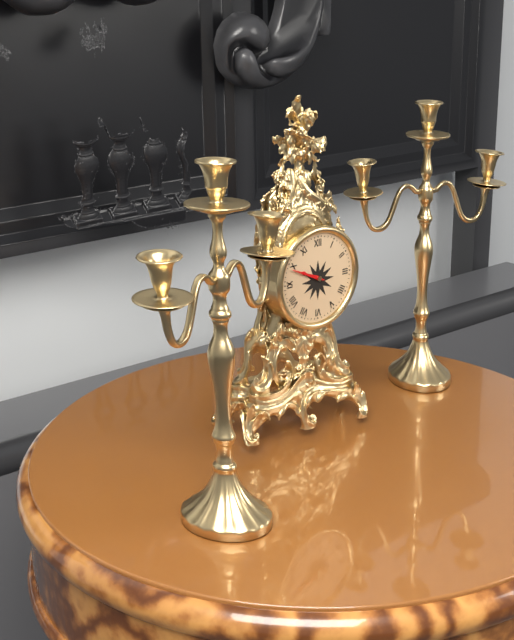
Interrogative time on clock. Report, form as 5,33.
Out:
9,49
